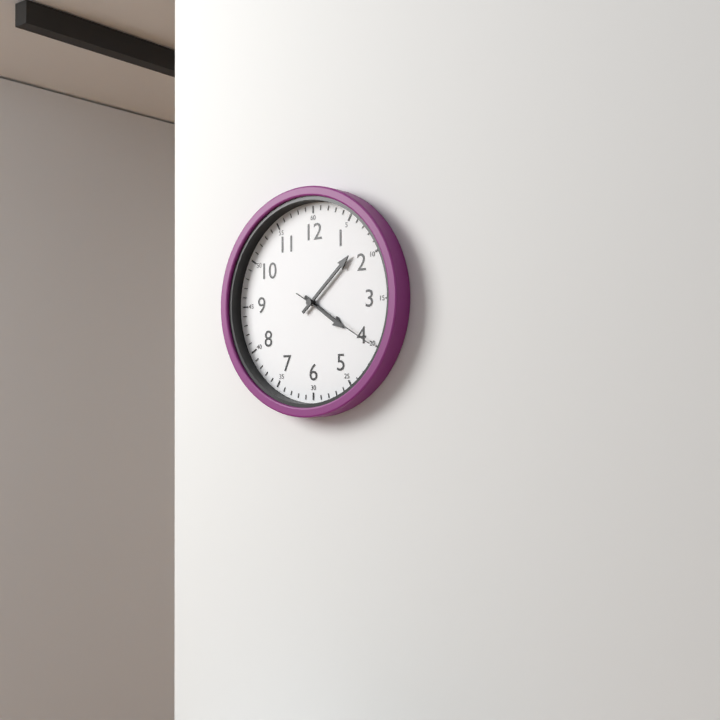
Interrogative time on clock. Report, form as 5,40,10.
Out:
4,08,20
